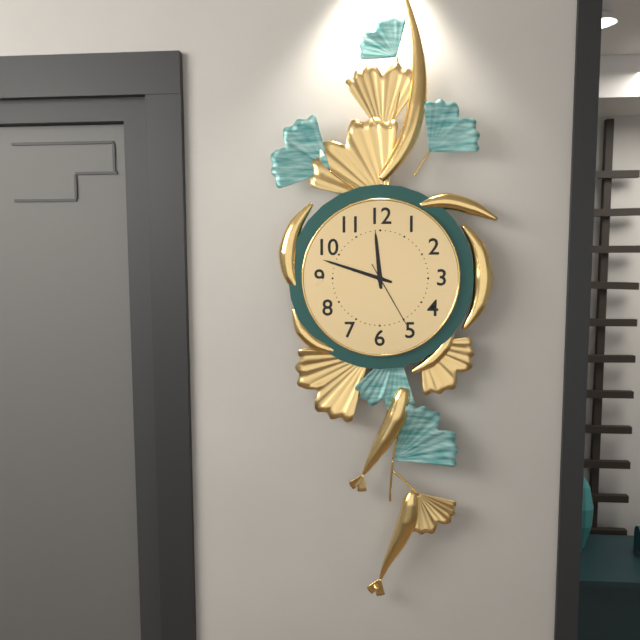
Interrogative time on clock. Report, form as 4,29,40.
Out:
11,48,25
